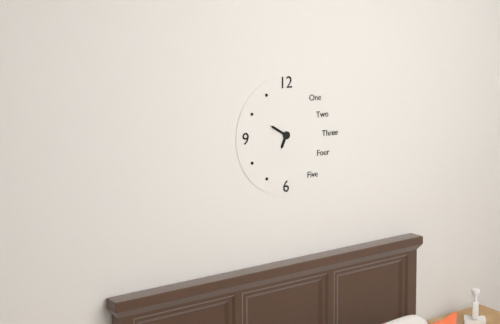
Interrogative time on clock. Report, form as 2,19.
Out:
6,50
